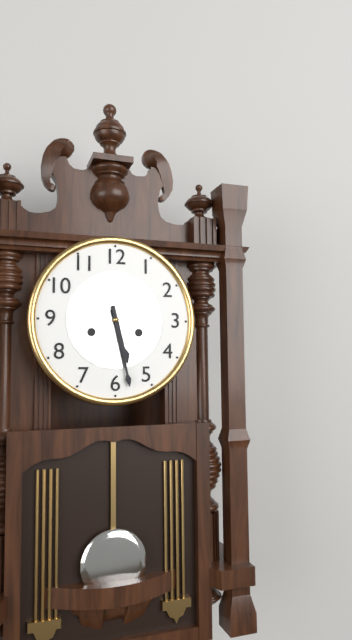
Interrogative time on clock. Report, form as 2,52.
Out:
5,28
